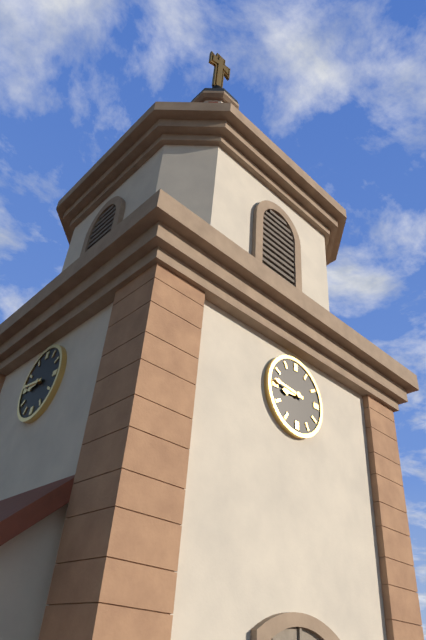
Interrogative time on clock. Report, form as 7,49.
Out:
8,46
